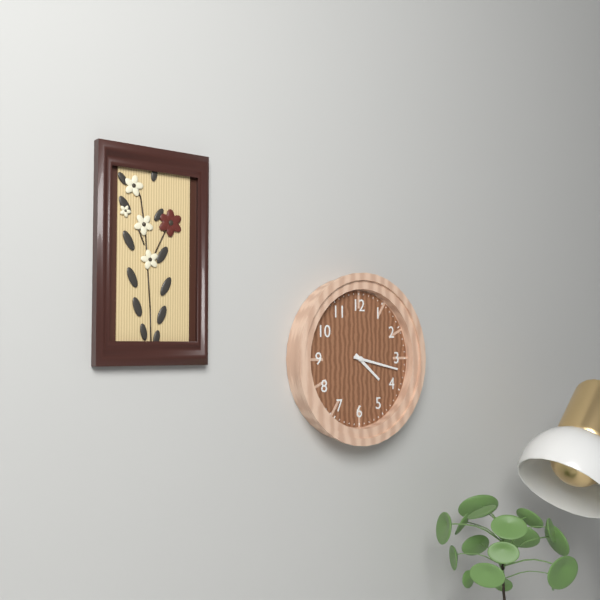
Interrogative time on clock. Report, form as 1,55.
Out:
4,17
